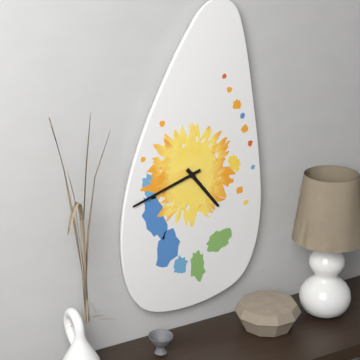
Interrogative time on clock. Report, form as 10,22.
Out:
4,42
